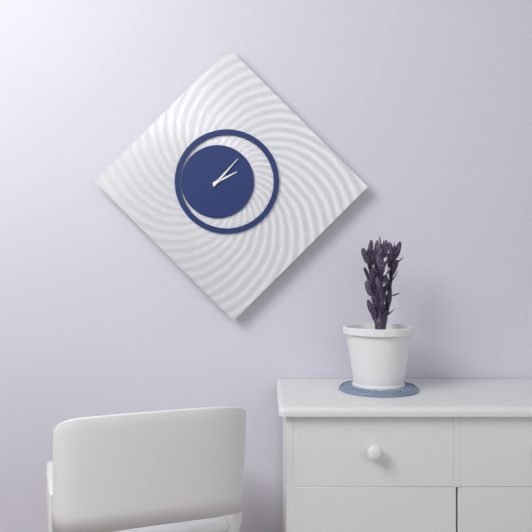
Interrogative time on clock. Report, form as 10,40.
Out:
2,07
